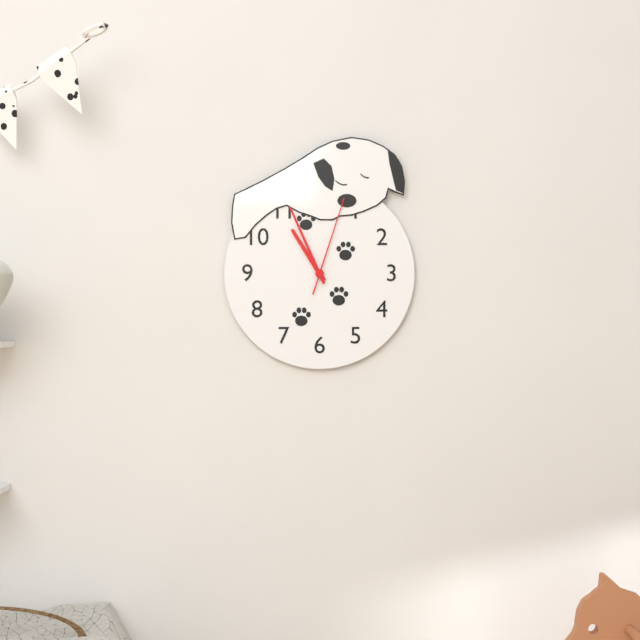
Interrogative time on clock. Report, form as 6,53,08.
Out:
10,56,03
